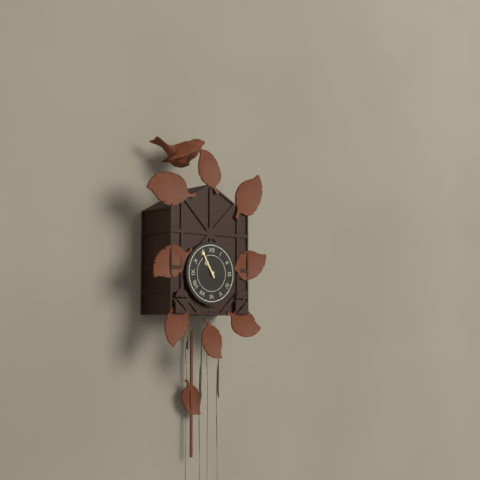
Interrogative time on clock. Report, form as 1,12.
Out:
10,55
